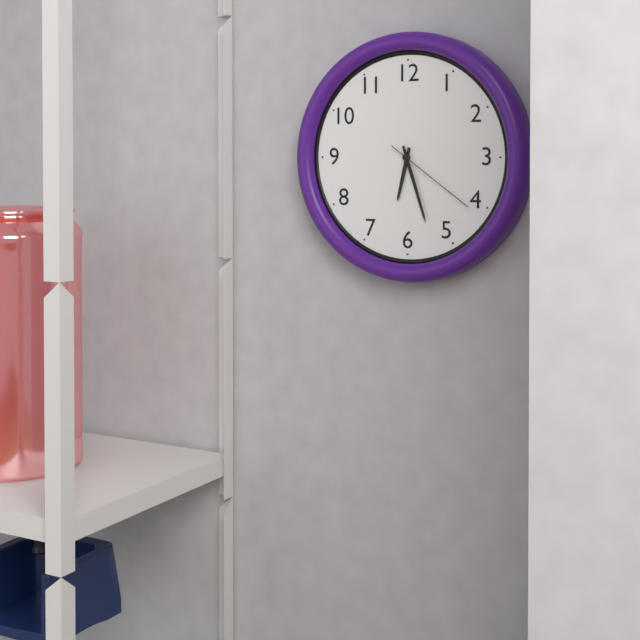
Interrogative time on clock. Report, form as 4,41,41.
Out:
6,27,21
